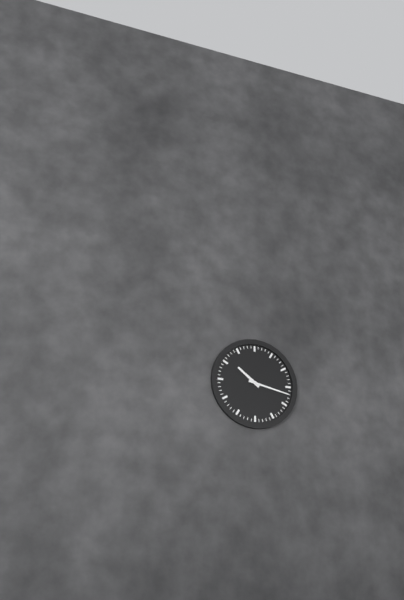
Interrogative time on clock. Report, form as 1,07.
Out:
10,17
